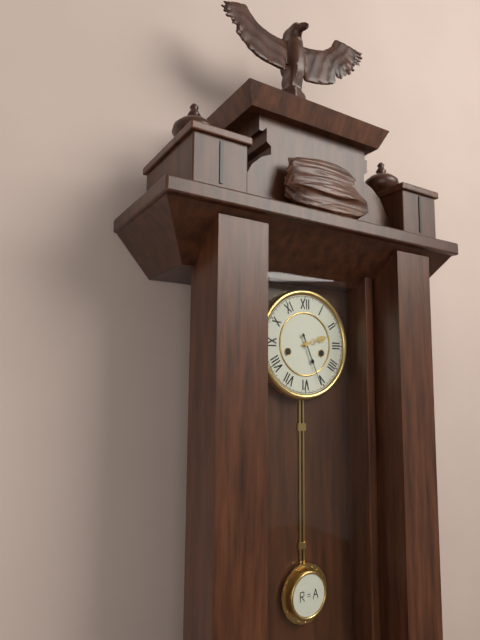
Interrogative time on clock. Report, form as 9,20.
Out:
2,26
